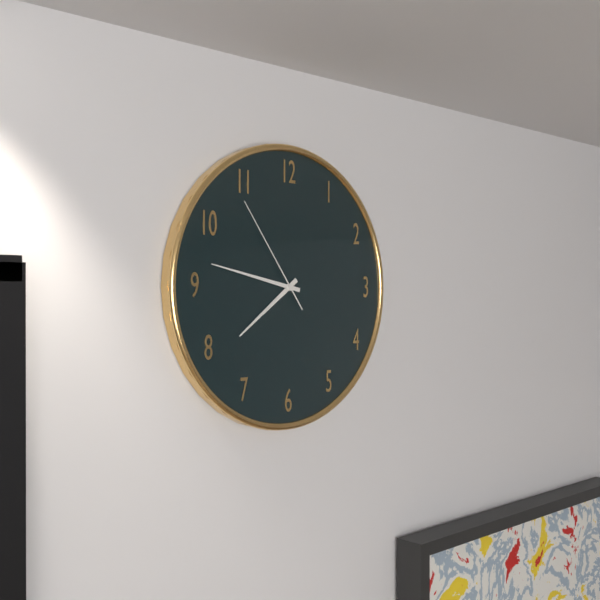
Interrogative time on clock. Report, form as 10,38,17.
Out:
7,47,54
